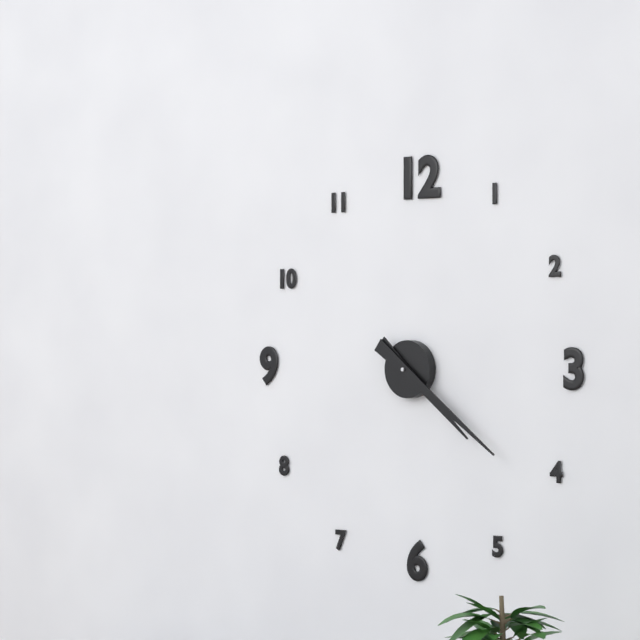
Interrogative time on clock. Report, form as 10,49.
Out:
4,21
